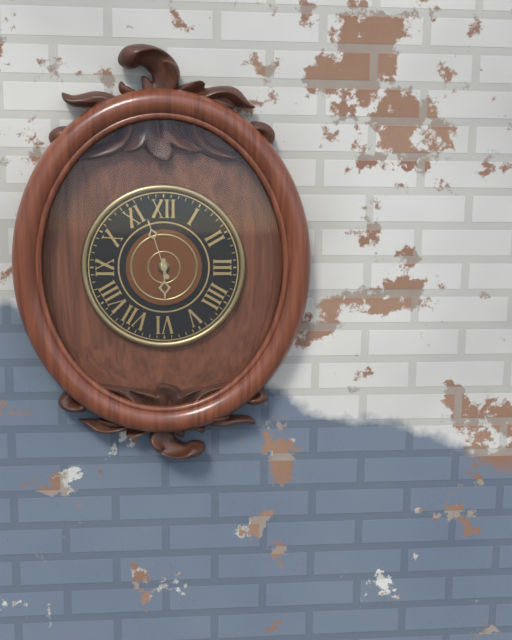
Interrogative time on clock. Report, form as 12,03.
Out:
5,57
